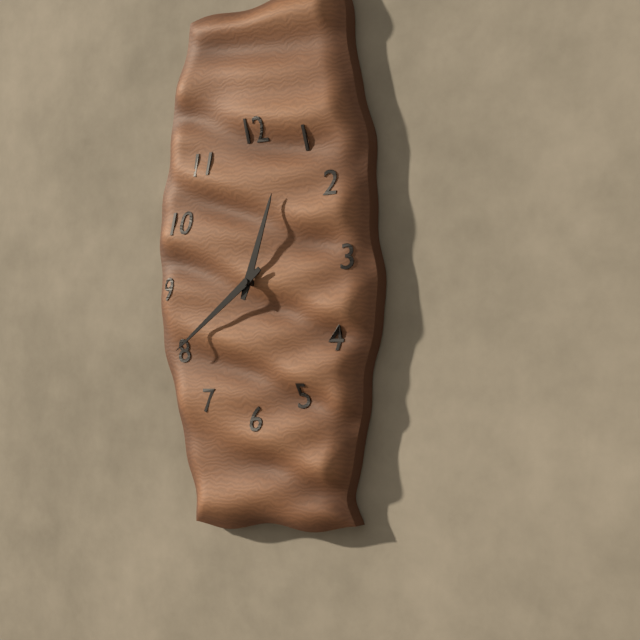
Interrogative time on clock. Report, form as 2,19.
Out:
12,39
